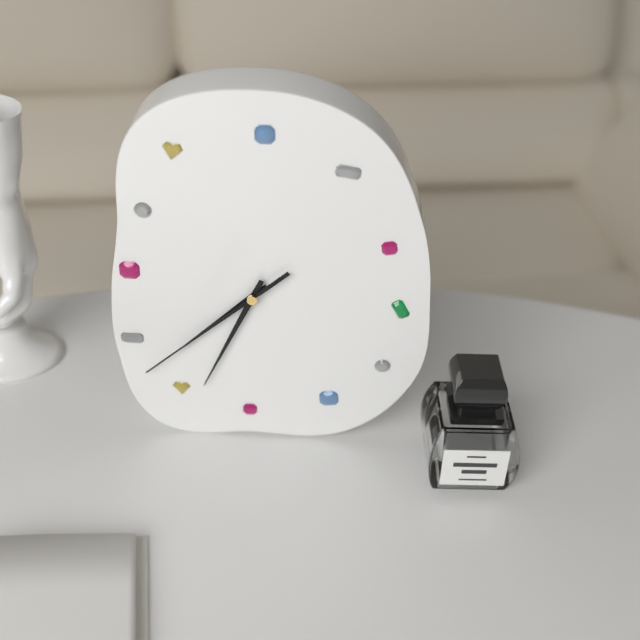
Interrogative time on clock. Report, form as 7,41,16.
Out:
7,34,38
